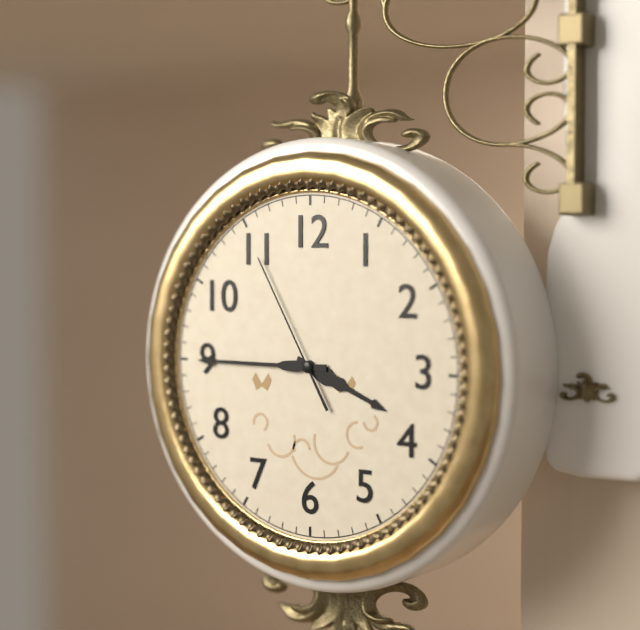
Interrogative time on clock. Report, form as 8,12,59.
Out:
3,45,55
